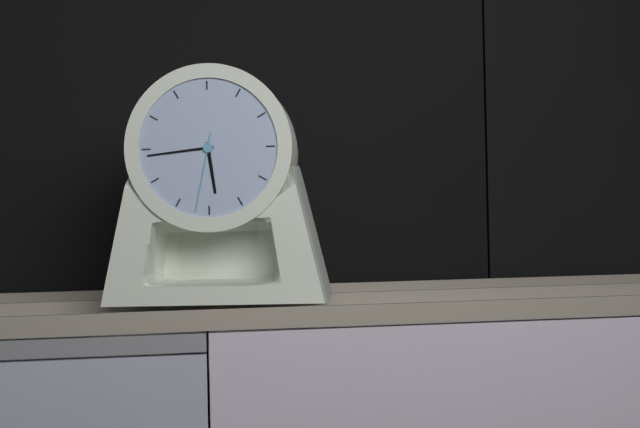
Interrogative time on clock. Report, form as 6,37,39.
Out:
5,44,32
